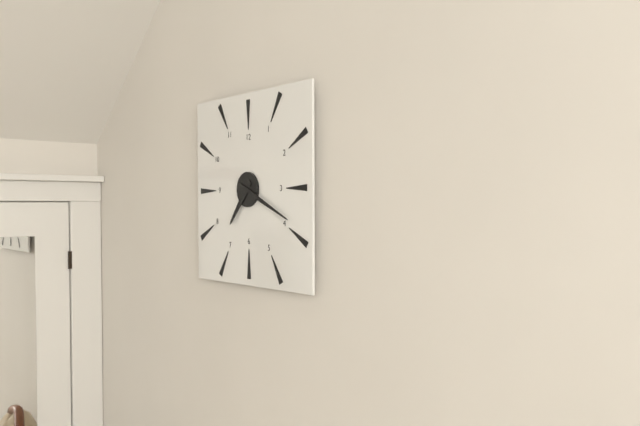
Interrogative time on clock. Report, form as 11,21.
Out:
7,19
